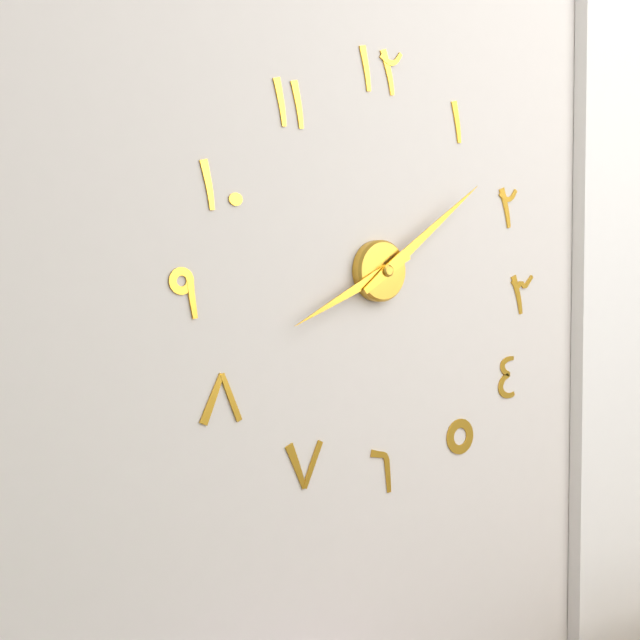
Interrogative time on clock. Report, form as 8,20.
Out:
8,09
